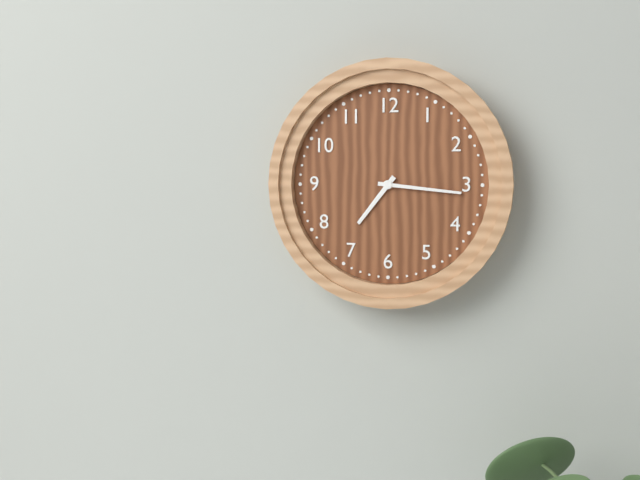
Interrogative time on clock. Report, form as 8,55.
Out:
7,16
